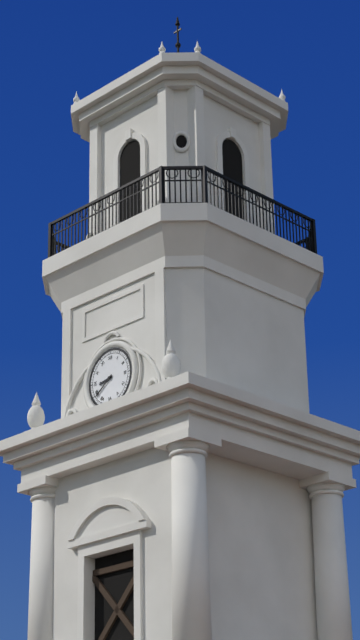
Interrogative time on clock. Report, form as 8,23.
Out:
8,39
